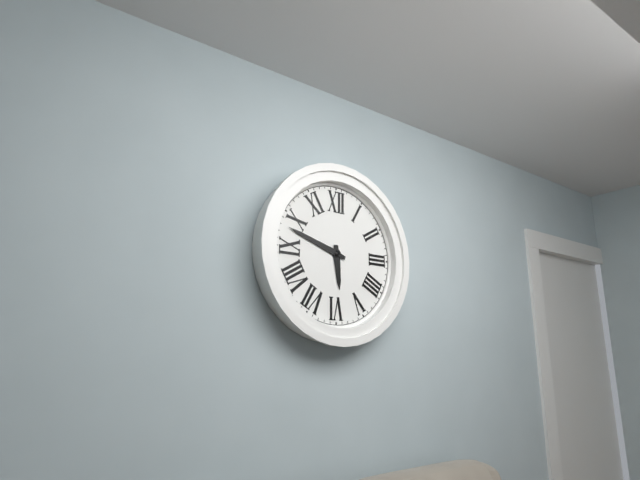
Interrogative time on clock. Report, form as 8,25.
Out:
5,48
